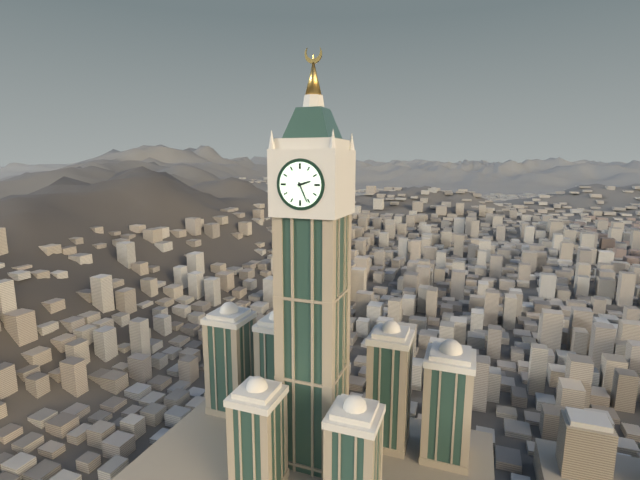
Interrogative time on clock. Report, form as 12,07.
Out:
2,26
